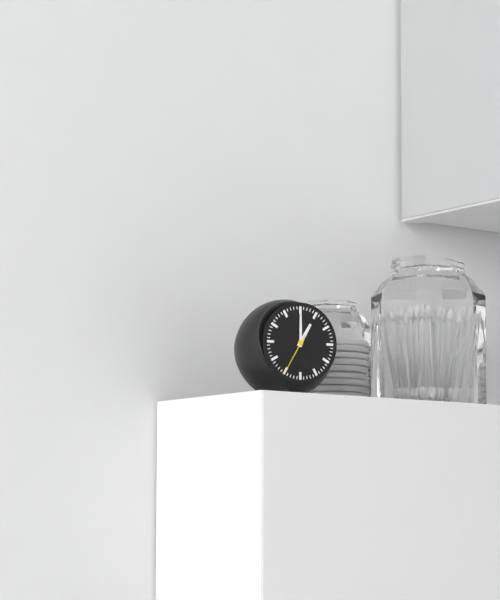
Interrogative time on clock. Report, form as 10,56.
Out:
1,00
